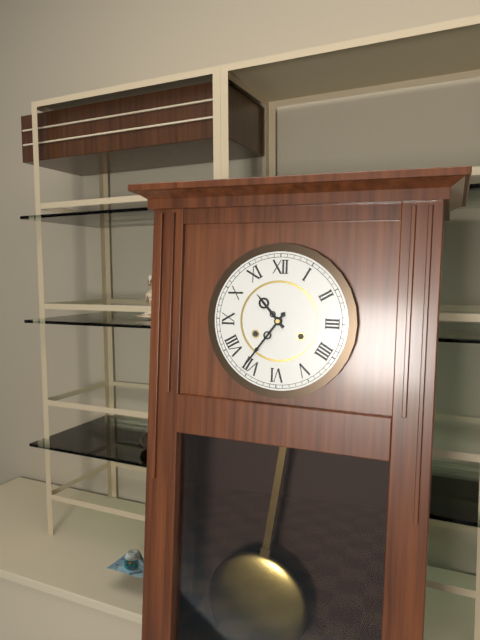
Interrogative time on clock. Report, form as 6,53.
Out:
10,36
